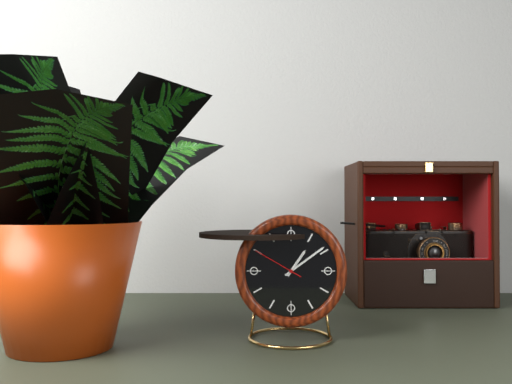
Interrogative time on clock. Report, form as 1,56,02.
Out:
1,09,50
